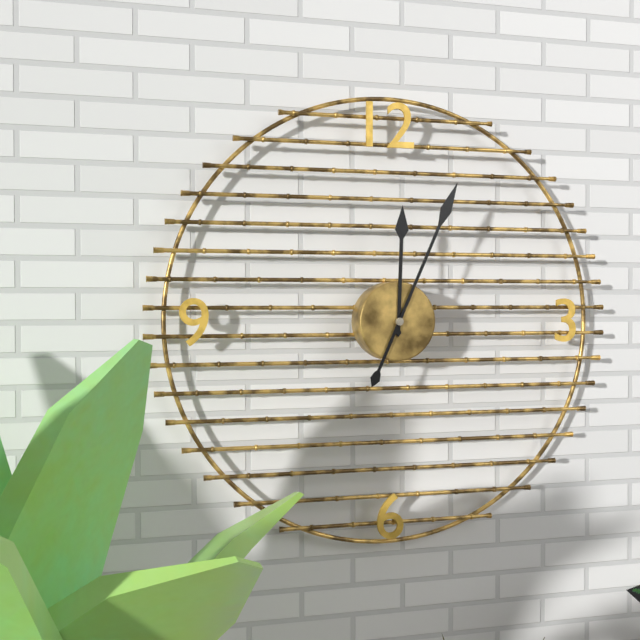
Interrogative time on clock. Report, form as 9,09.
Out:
12,04
